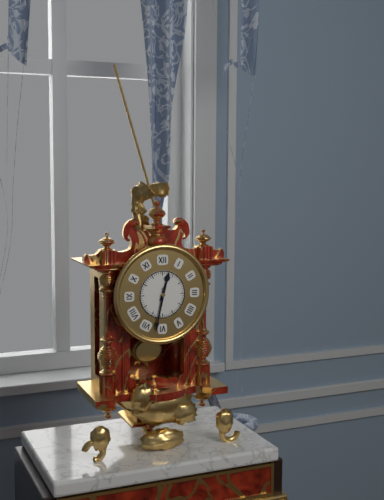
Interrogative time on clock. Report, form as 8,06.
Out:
12,32
